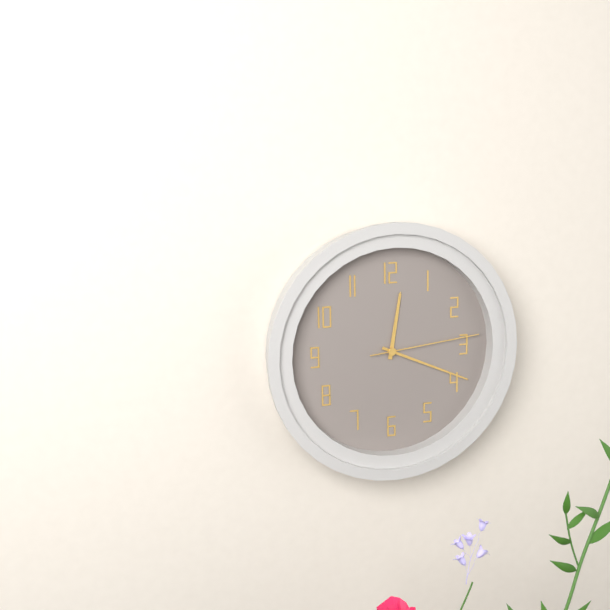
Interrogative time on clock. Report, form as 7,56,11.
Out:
12,19,14
